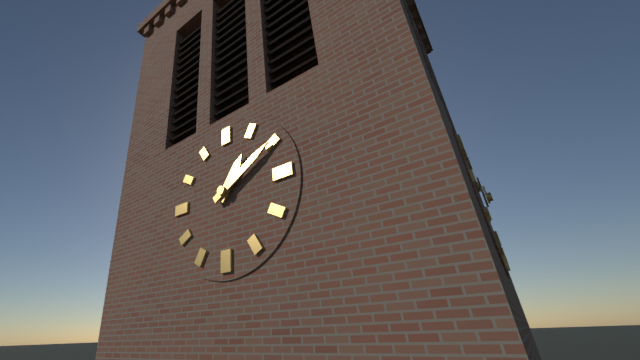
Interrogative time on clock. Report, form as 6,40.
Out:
1,10
